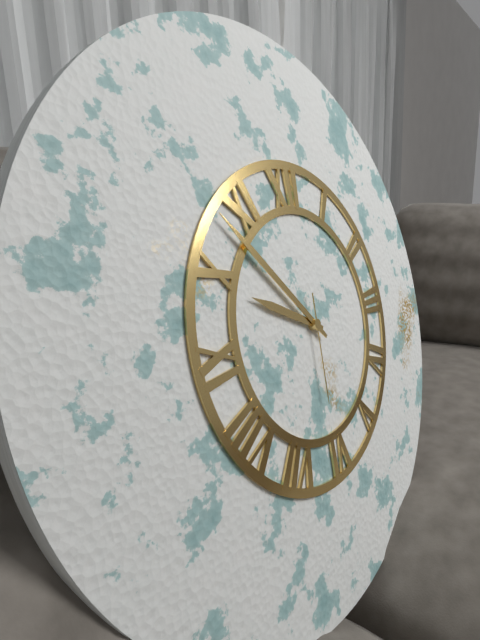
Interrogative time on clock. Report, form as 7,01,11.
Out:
9,53,31
